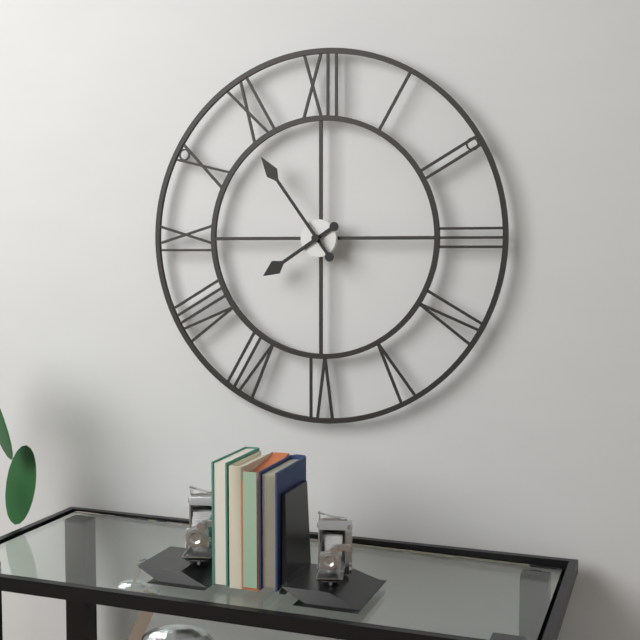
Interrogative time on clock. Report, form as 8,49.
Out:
7,54
